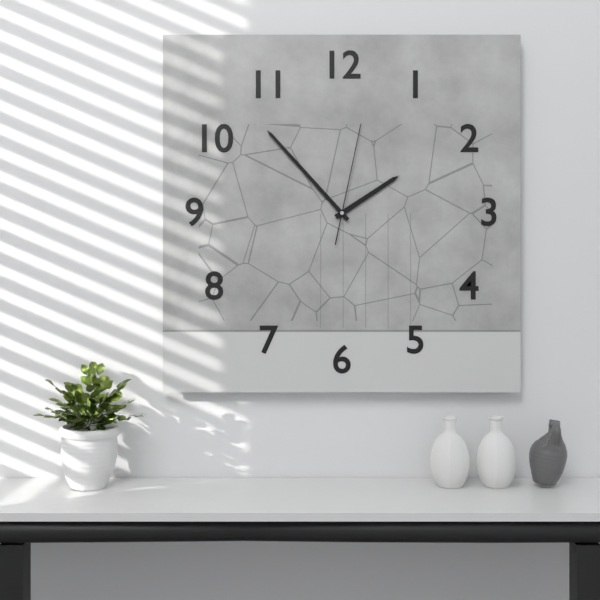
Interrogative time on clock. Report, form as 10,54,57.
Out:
1,53,02
